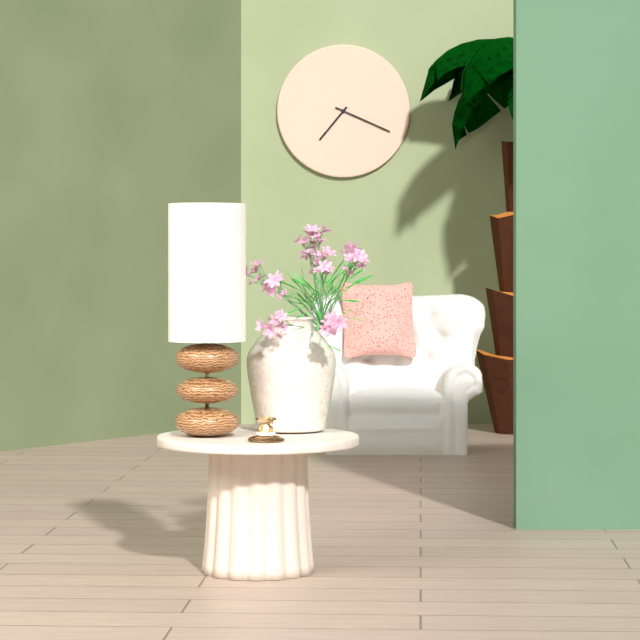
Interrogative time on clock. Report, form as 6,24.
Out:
7,19
